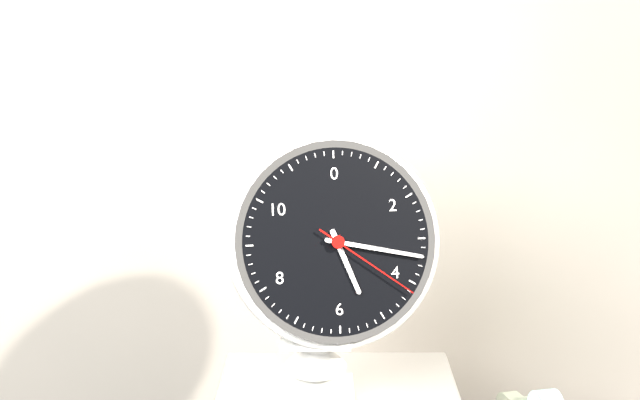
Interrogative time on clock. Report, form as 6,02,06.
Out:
5,17,21
